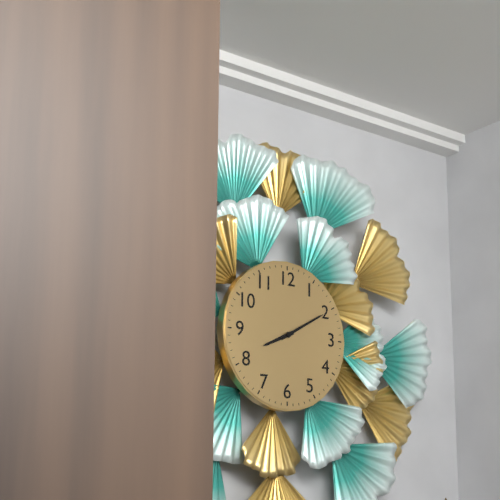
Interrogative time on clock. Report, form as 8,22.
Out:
8,10
